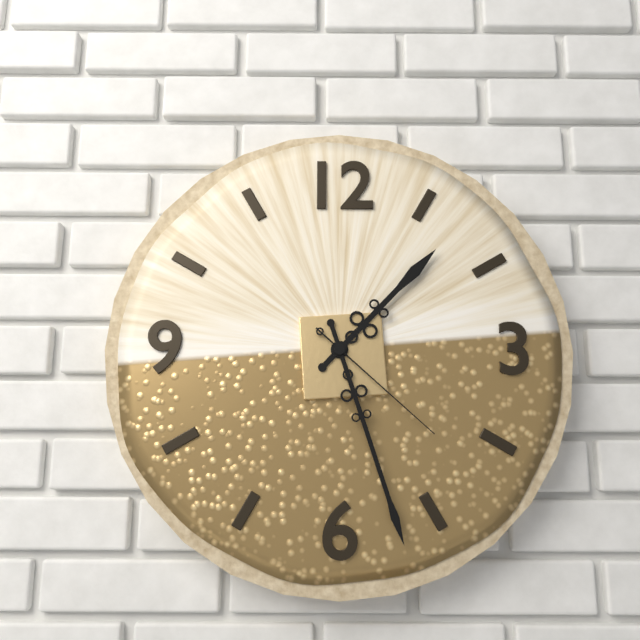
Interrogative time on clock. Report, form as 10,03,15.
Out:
1,27,22
